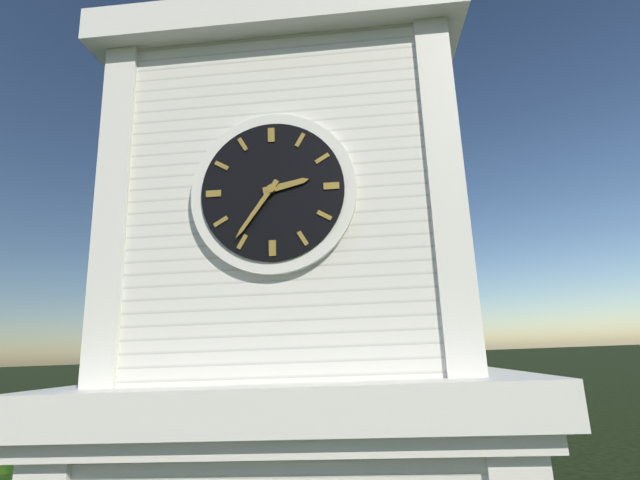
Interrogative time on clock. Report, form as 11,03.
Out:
2,36
